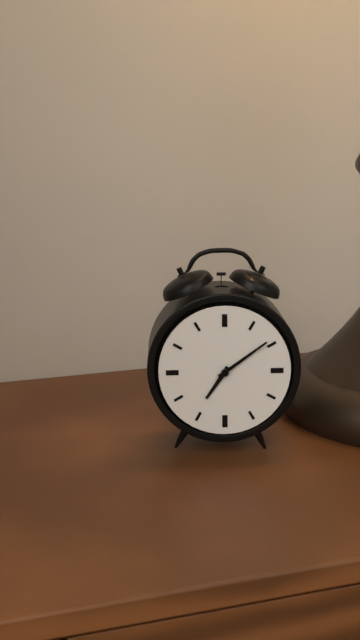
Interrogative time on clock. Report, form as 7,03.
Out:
7,09
